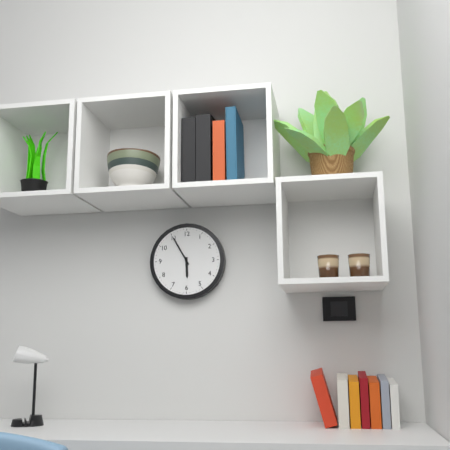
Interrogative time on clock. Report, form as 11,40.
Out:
5,55
